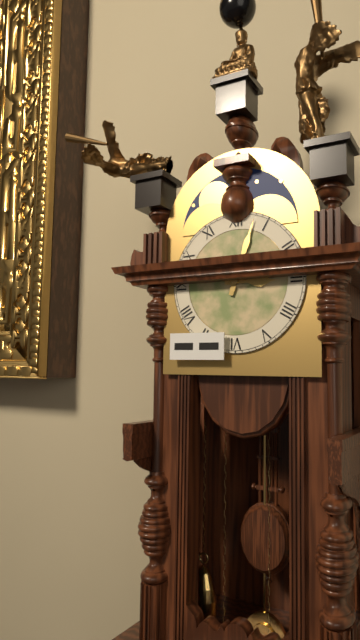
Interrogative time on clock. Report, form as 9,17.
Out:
3,03
